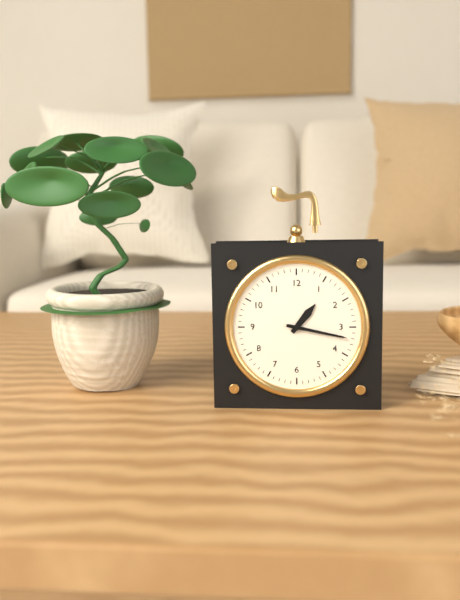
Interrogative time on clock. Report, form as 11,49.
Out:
1,17
